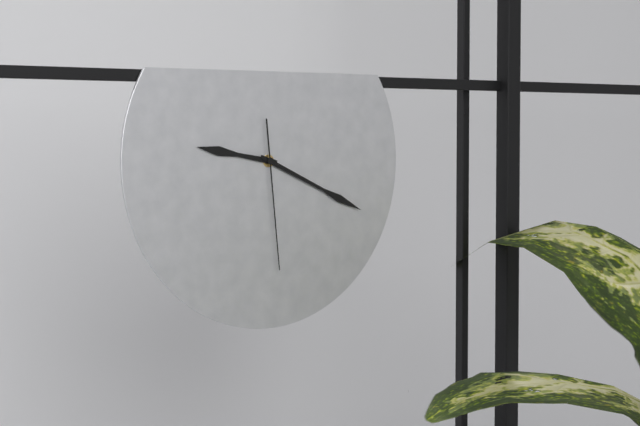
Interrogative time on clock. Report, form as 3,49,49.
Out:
9,19,29
